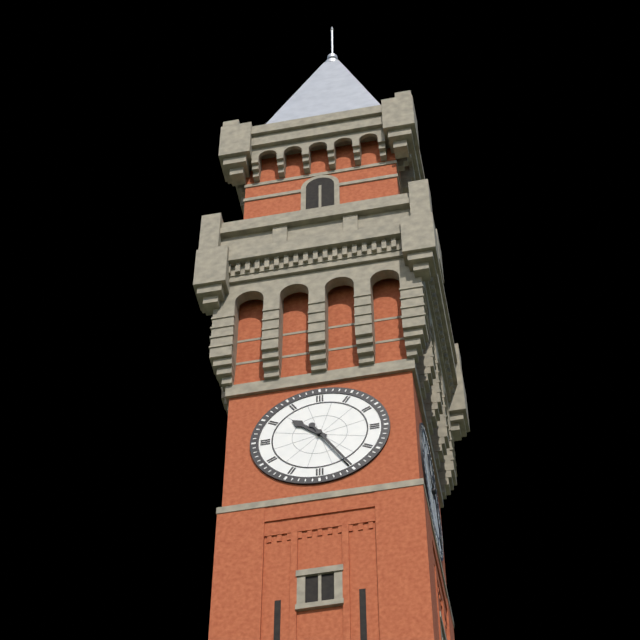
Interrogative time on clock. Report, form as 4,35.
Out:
10,25
